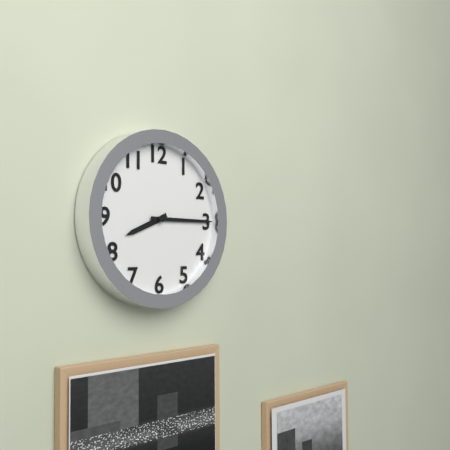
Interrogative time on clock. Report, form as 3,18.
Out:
8,15
